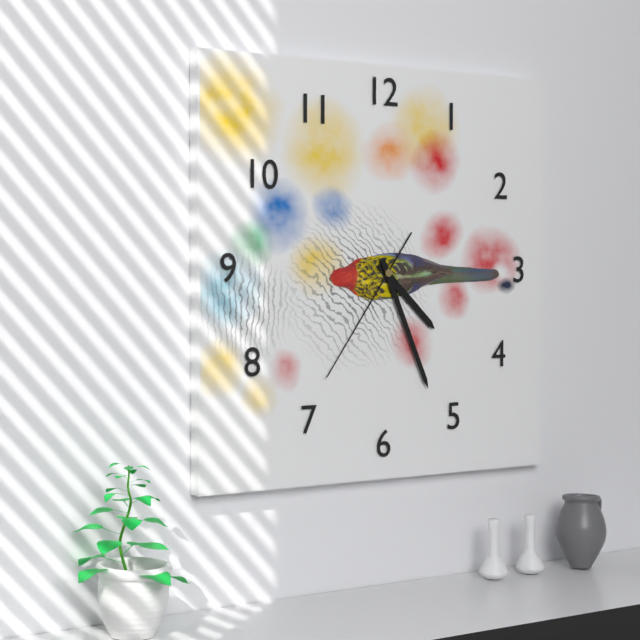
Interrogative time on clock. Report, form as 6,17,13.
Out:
4,26,36
